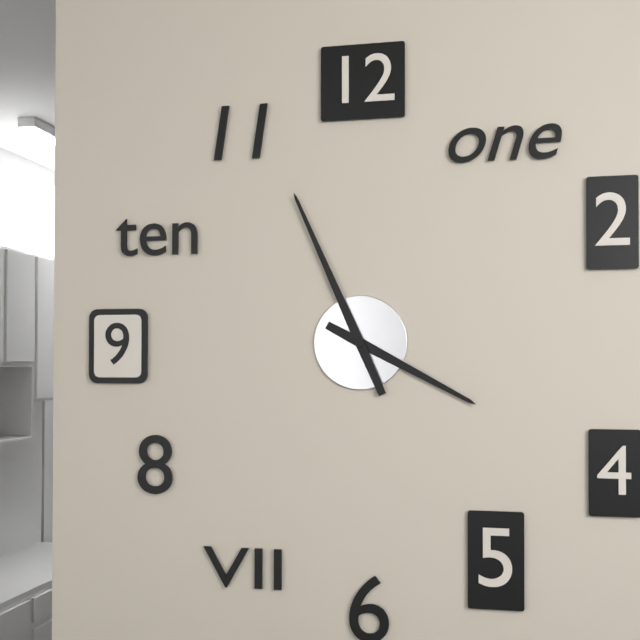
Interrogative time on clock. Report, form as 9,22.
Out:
3,56
